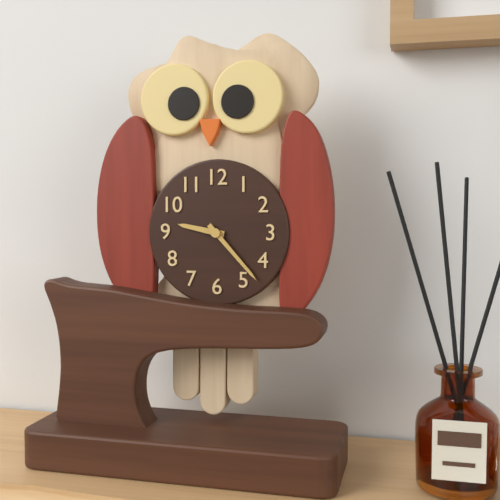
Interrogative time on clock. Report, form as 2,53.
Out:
9,23
